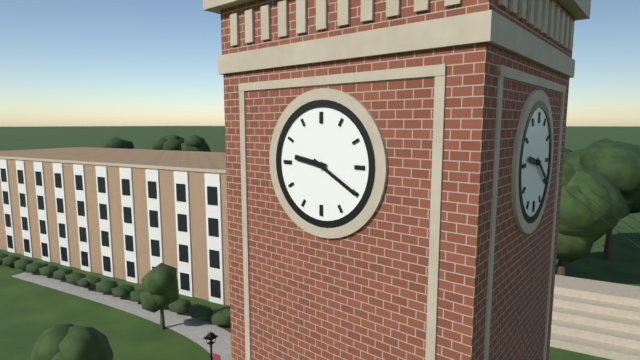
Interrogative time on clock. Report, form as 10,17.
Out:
9,20
